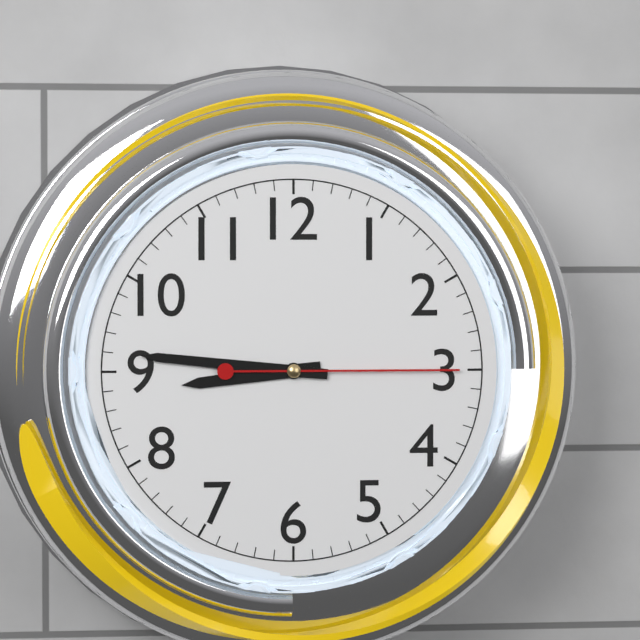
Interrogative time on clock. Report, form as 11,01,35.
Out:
8,46,15
